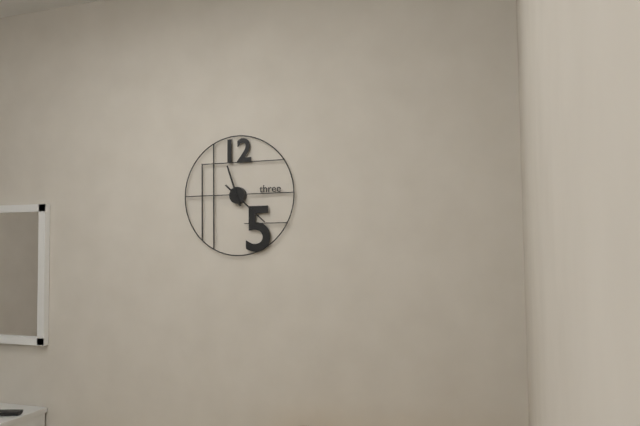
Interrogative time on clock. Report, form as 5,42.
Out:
11,22
